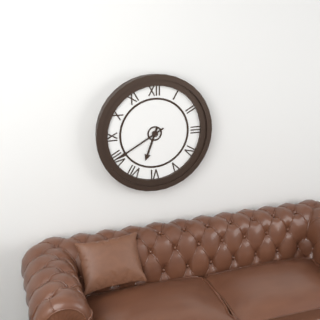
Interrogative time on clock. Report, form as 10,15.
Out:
6,40
